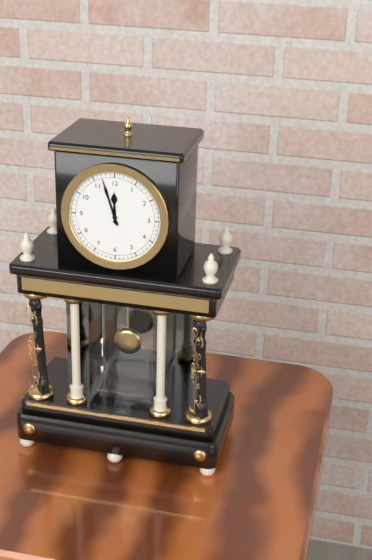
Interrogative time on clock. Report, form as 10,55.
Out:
11,57
